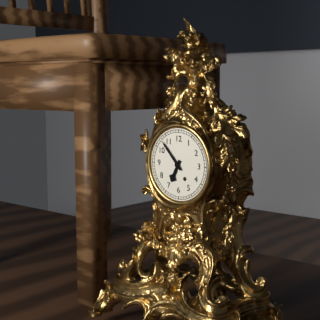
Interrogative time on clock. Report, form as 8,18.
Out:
6,53
